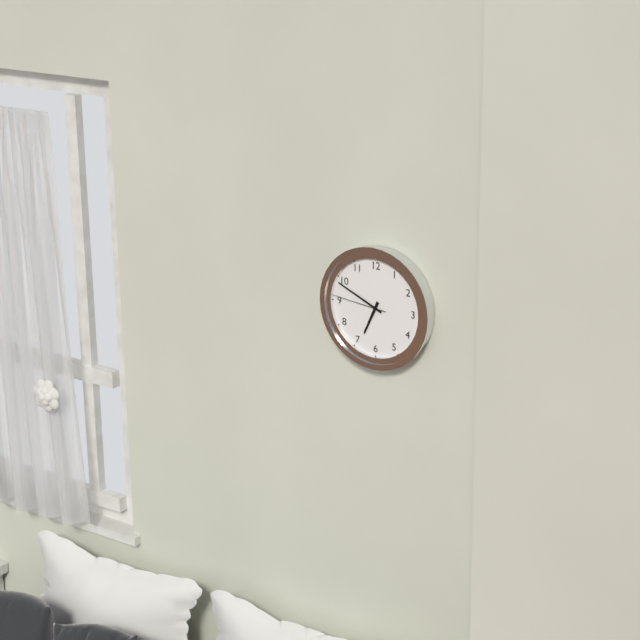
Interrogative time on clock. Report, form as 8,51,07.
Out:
6,49,46
